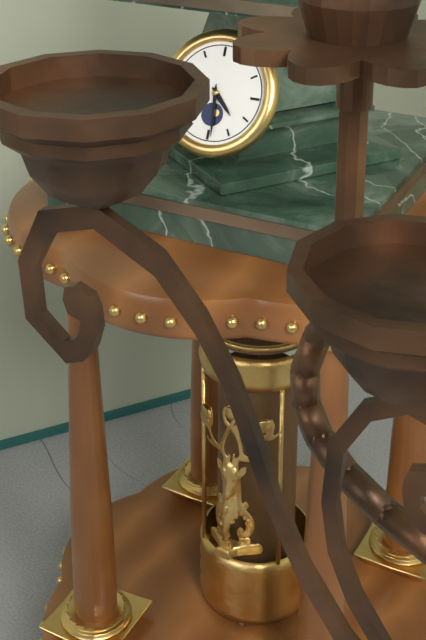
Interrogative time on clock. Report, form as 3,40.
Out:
4,29
